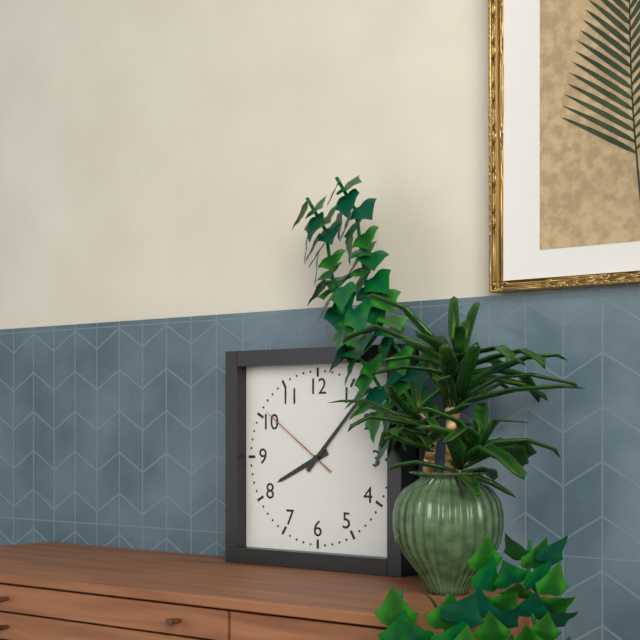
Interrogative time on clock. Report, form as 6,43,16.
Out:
8,07,51
